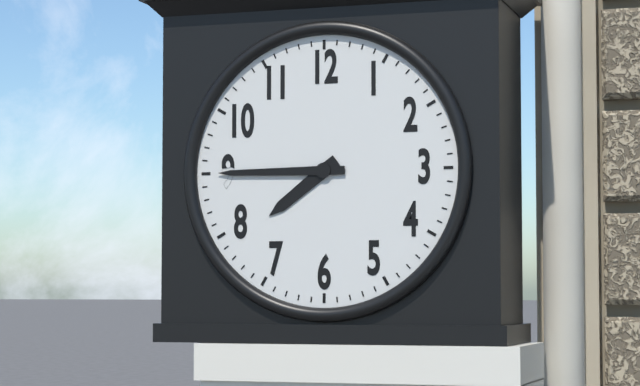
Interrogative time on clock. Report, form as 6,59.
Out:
7,45
